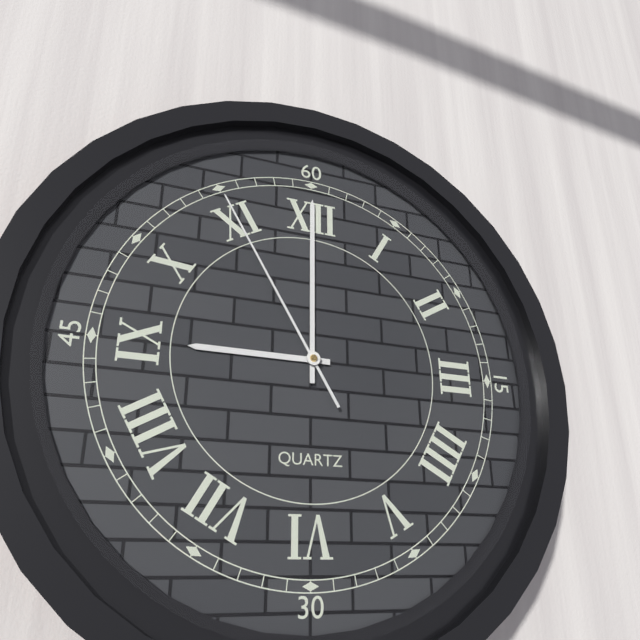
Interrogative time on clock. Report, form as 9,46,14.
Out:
9,00,55
